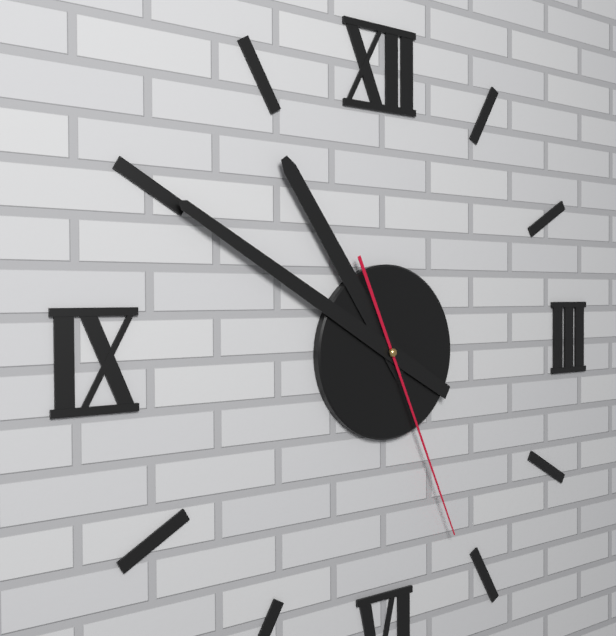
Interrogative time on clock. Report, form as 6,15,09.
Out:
10,50,26
